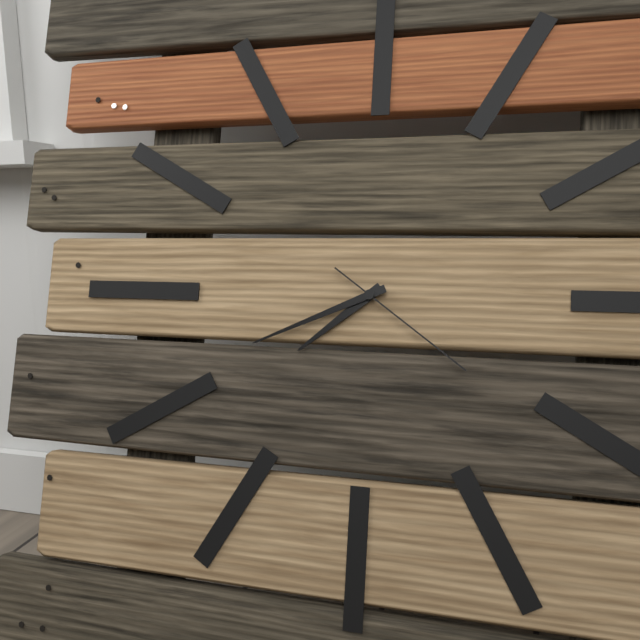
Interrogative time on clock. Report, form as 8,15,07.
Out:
7,41,21
